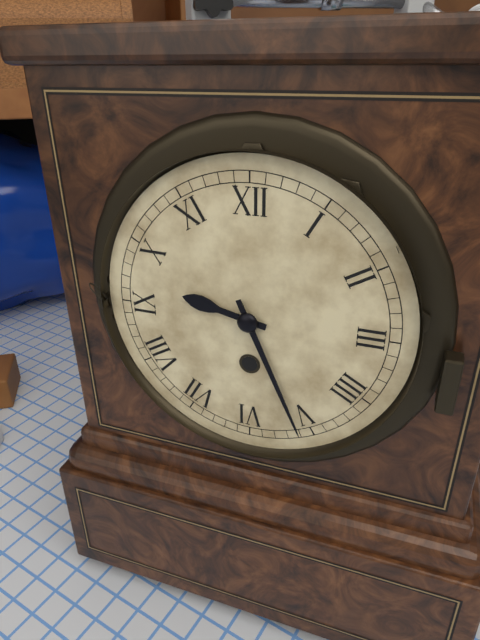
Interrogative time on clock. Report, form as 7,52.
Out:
9,26
